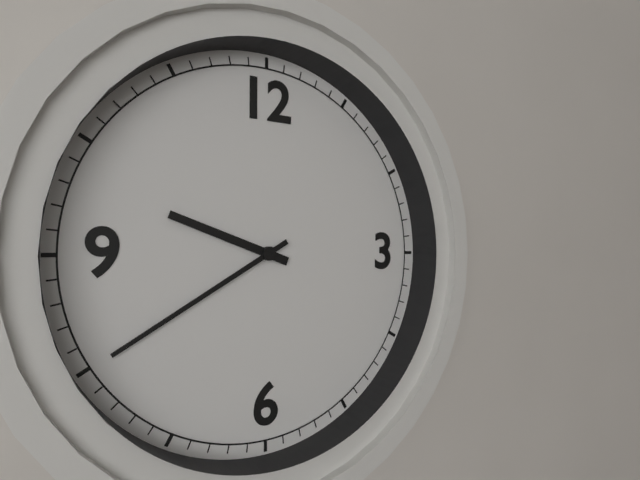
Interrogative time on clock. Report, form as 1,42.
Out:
9,40
